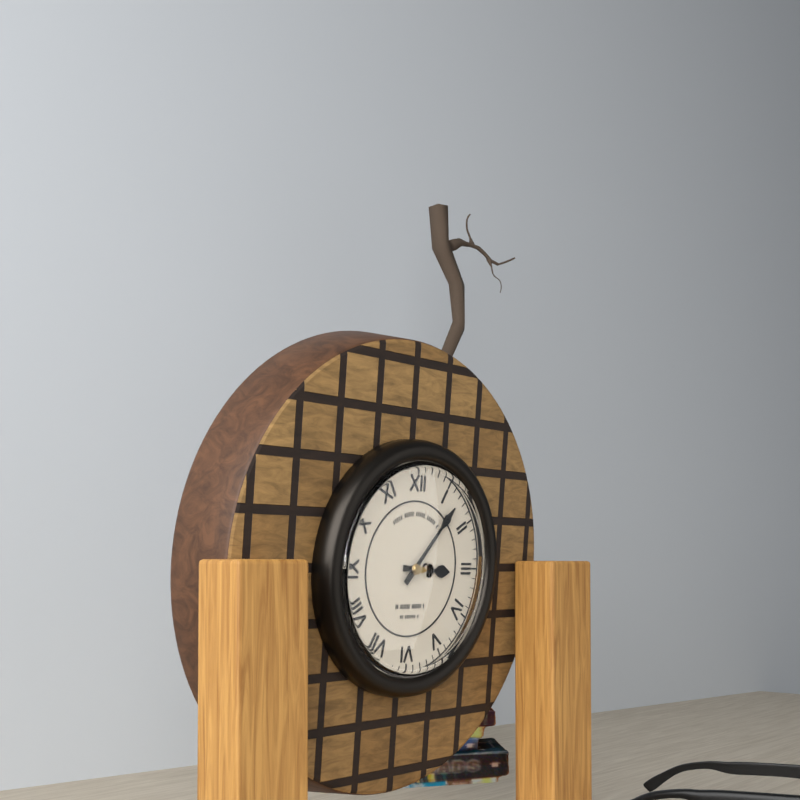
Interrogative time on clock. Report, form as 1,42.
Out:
3,07
